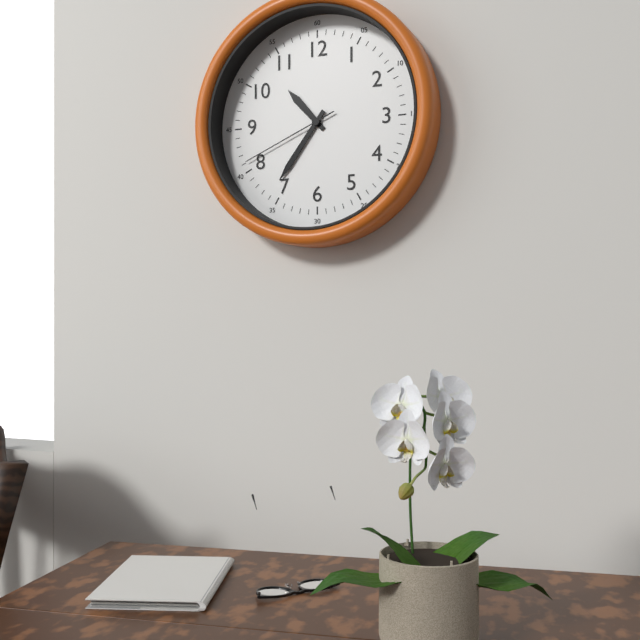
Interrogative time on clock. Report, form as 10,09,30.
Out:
10,36,41
